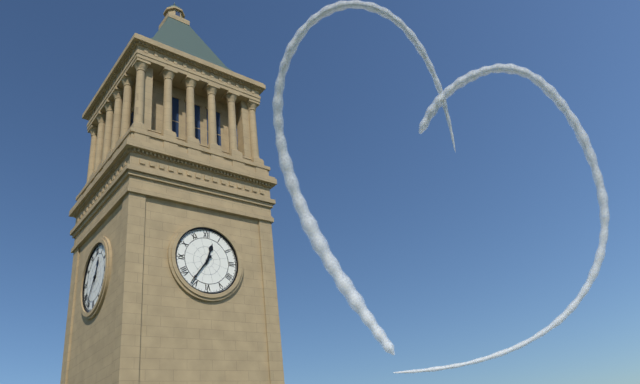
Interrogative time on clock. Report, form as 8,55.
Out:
12,36
